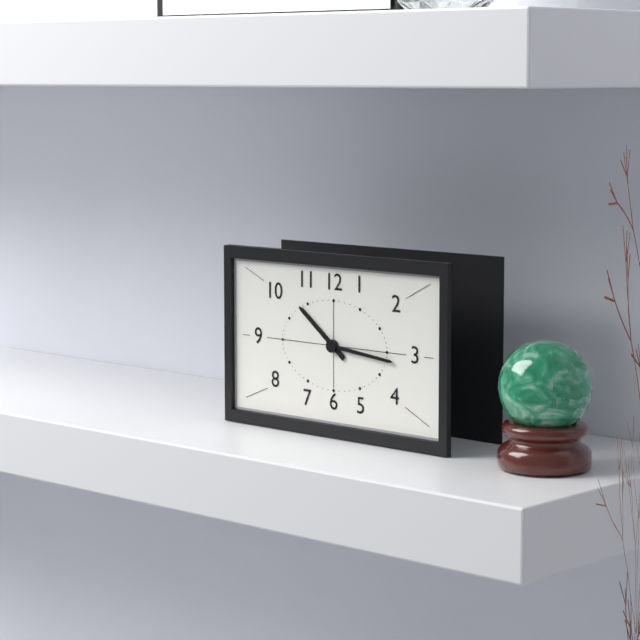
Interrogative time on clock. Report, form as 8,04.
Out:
10,16
